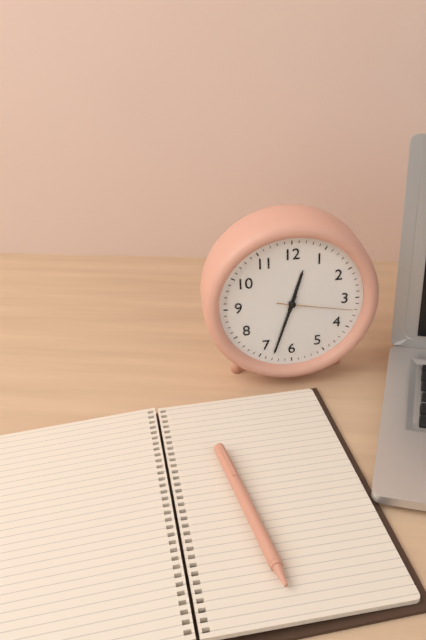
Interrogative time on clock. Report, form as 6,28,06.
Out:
12,33,17
